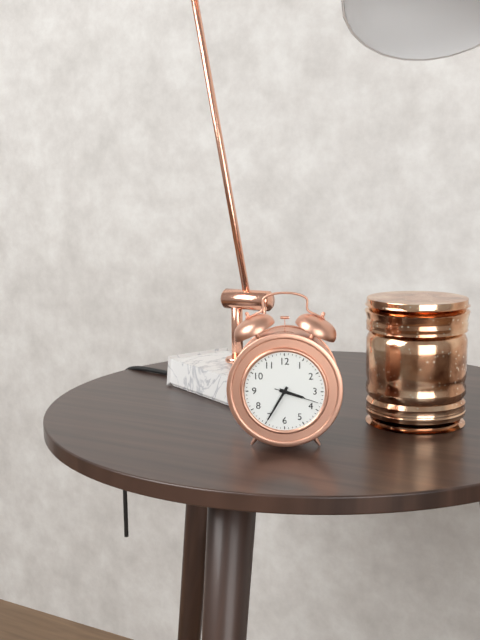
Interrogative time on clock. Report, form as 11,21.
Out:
3,35
